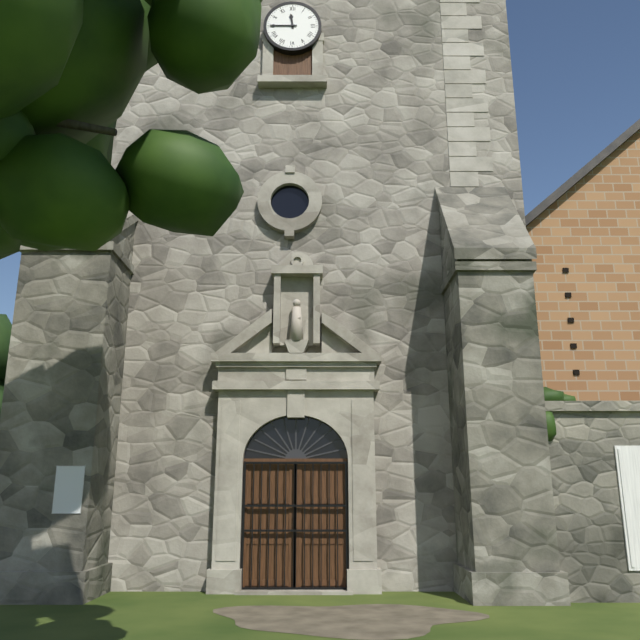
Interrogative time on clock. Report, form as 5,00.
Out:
11,45
